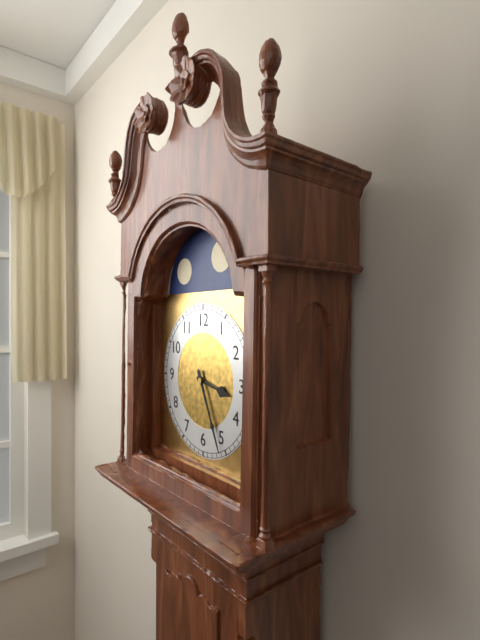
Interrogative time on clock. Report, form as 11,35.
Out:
3,26
